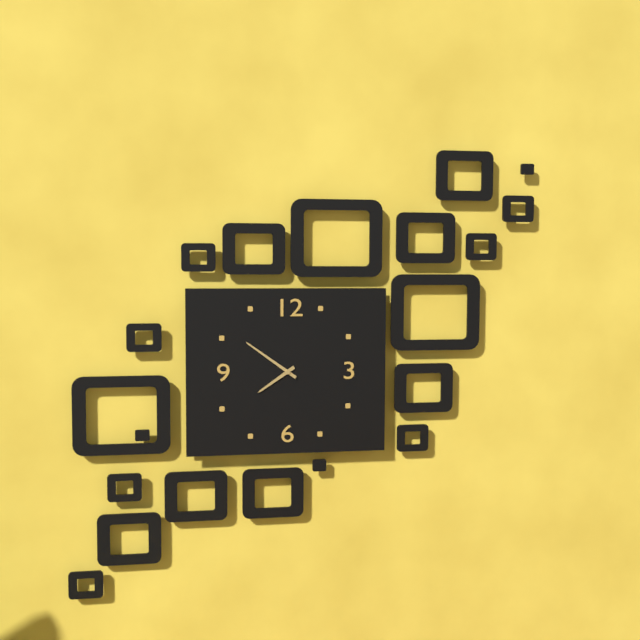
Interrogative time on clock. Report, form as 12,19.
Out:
7,51
